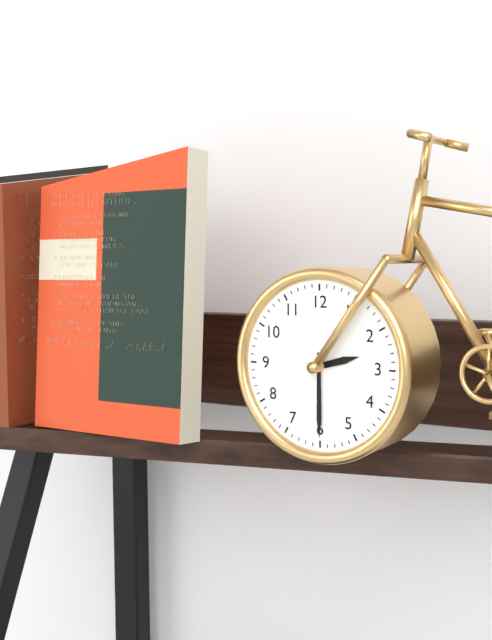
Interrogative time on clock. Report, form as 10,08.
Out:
2,30
